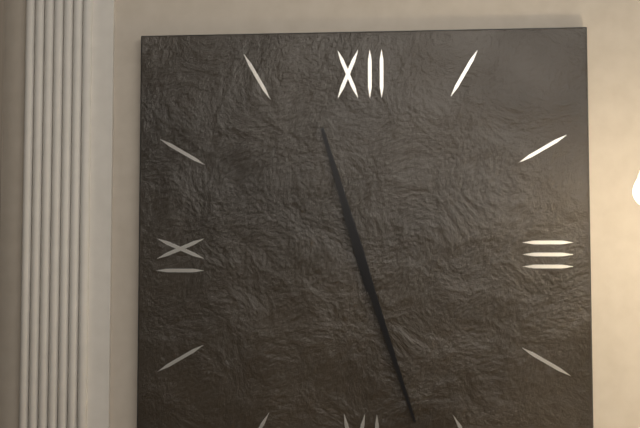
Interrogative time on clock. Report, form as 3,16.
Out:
11,27
